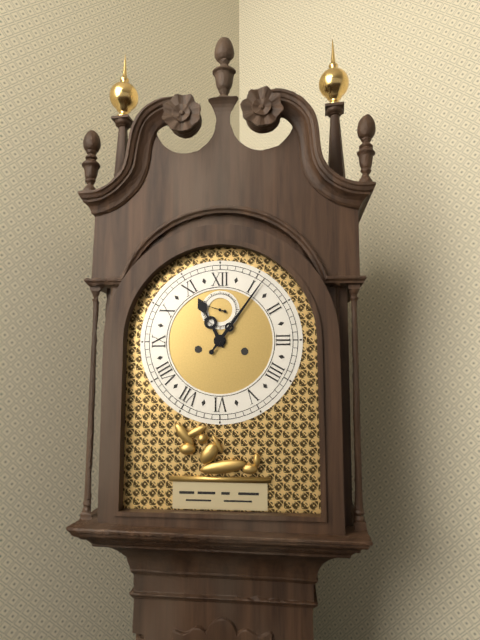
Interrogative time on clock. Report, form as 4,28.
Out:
11,06
